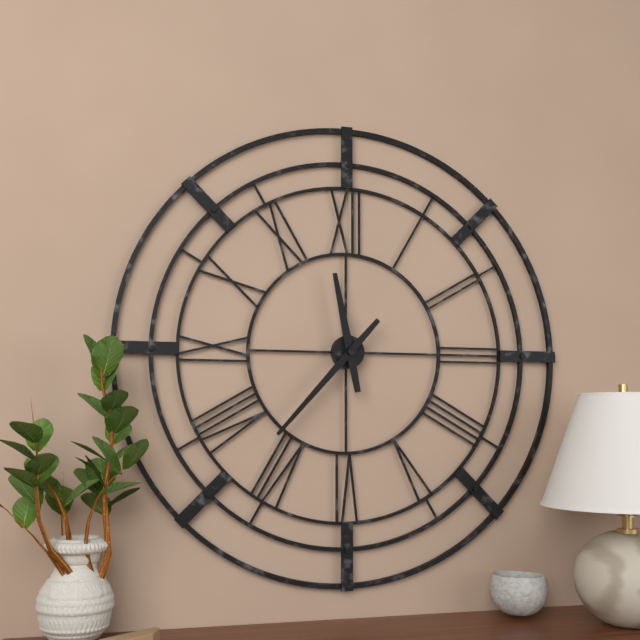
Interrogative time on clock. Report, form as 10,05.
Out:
11,37
